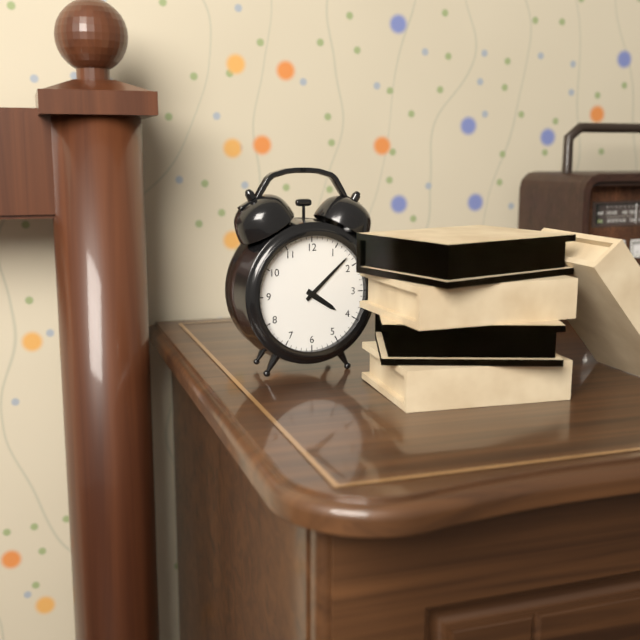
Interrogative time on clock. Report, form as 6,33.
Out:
4,08
